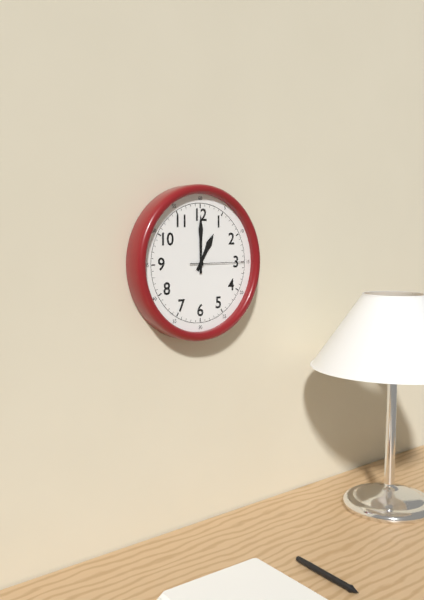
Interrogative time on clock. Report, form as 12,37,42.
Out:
1,00,15
